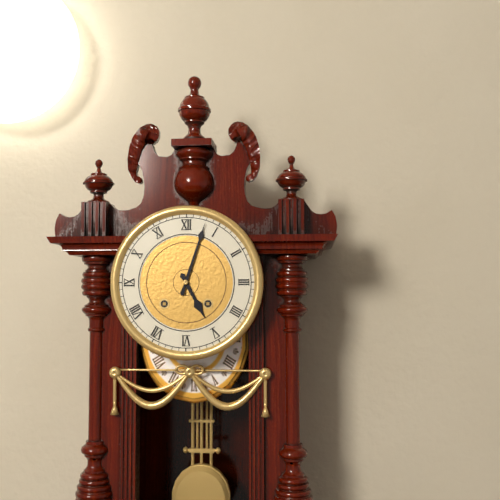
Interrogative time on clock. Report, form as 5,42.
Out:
5,03
